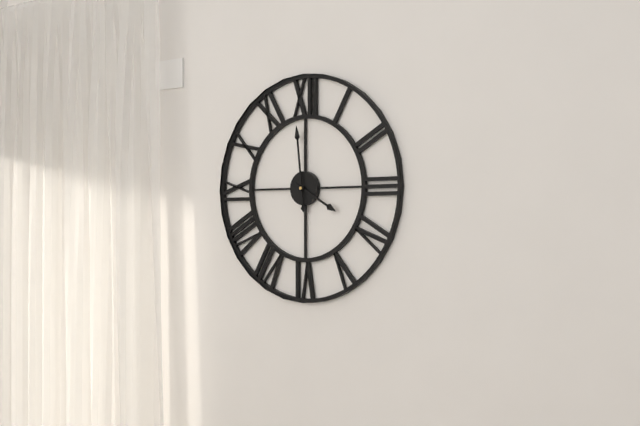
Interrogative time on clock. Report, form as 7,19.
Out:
3,59
